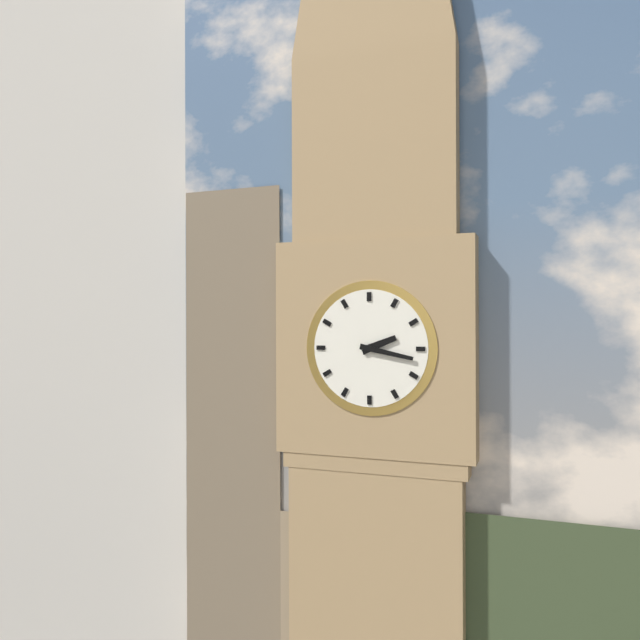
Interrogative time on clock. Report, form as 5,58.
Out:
2,17
